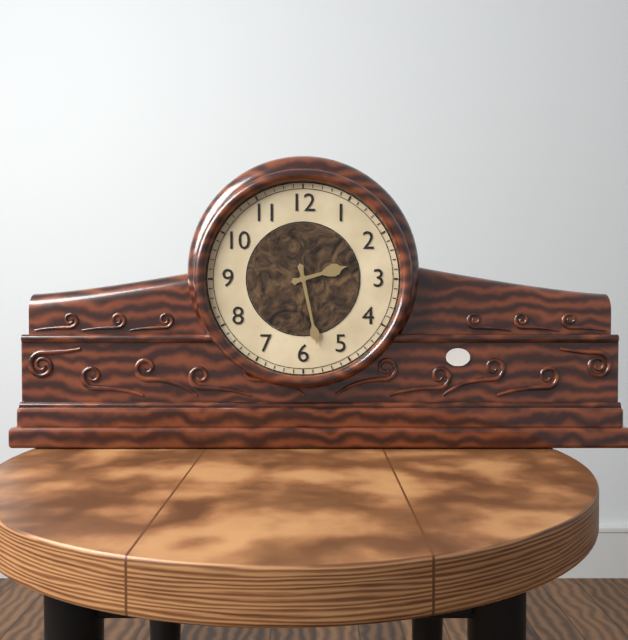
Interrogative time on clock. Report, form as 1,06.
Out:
2,28
